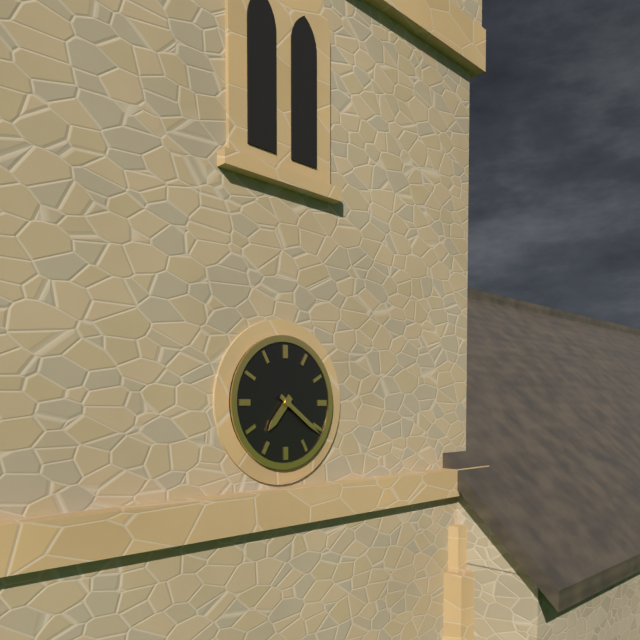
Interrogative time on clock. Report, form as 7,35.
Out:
7,21
